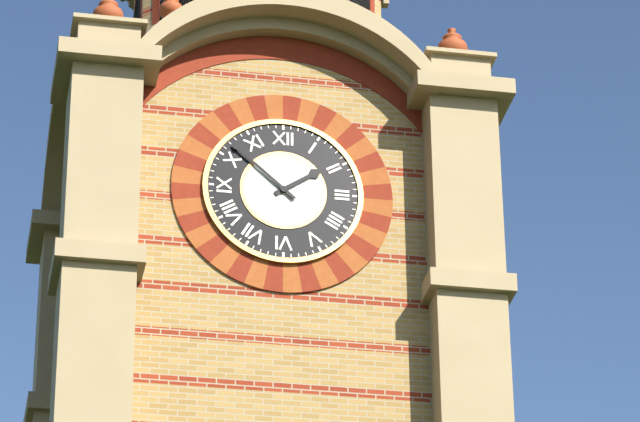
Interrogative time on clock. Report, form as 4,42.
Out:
1,52
